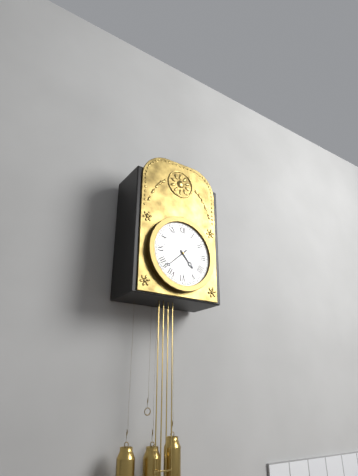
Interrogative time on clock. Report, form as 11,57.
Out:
4,38
